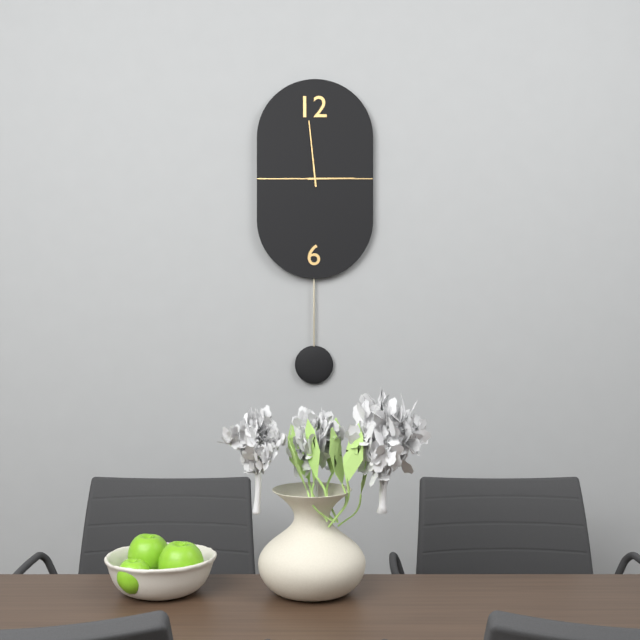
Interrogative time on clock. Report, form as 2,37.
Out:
2,59
